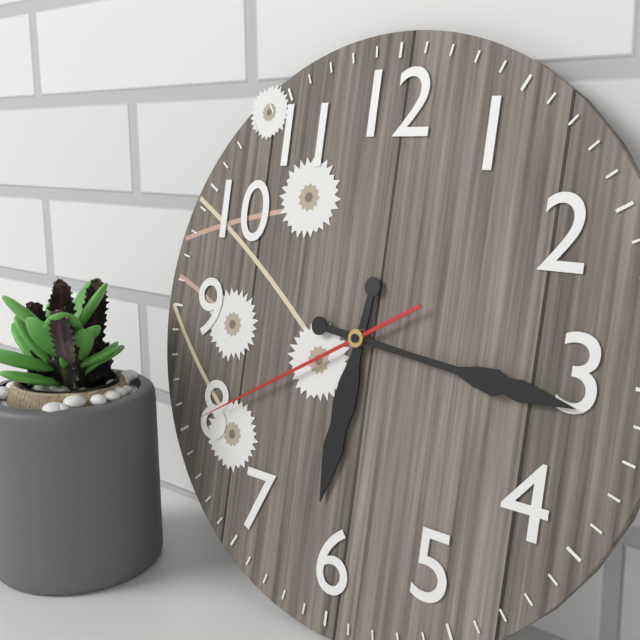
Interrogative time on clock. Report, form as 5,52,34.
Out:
6,16,40
